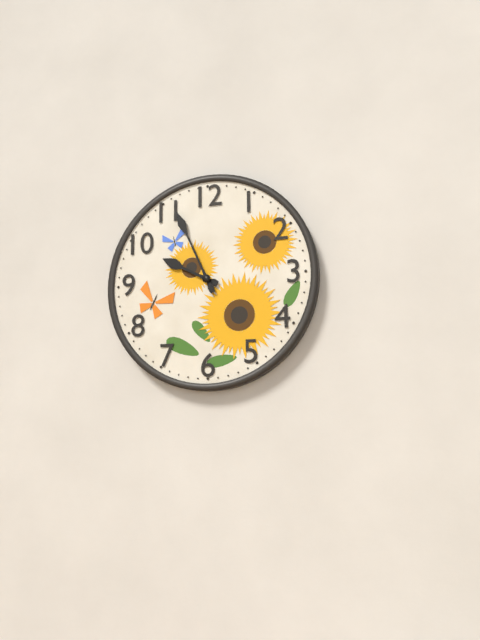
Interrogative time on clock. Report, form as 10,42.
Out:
9,56
